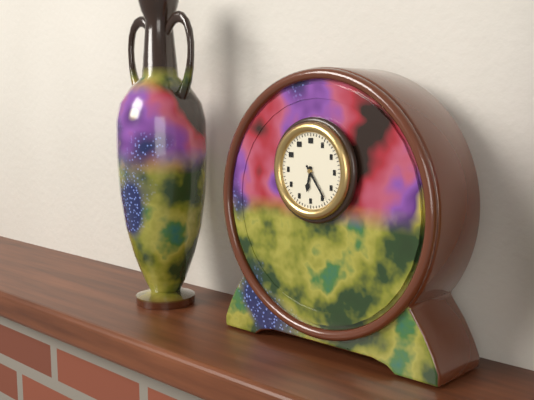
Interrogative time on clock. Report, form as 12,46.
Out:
6,24
